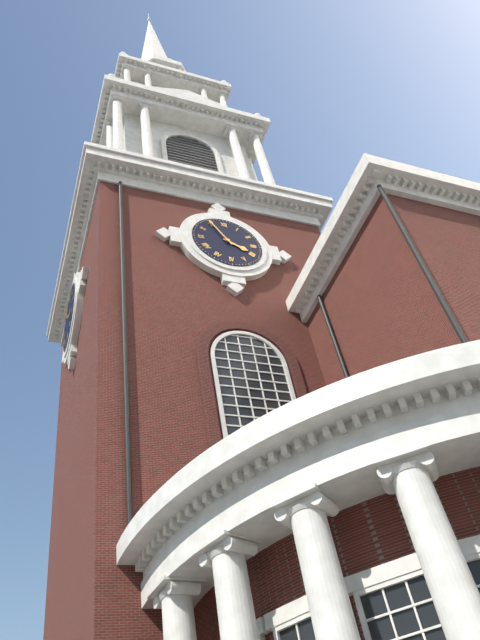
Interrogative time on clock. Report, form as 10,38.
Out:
3,55
